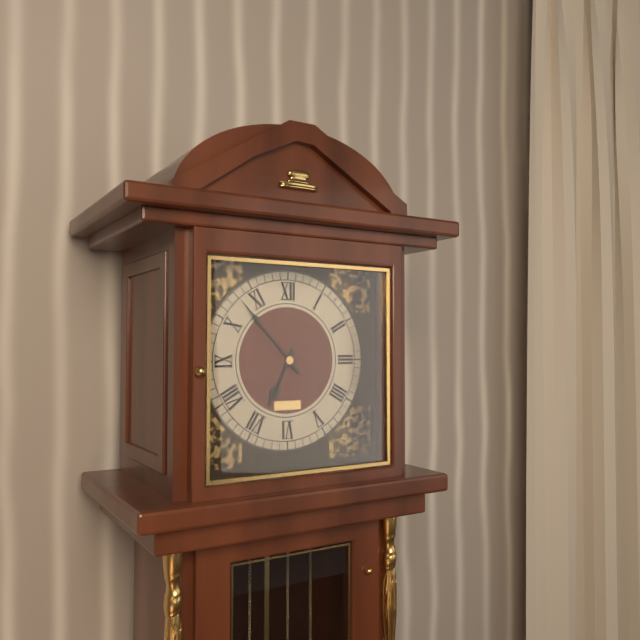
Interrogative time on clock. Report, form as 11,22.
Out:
6,53
